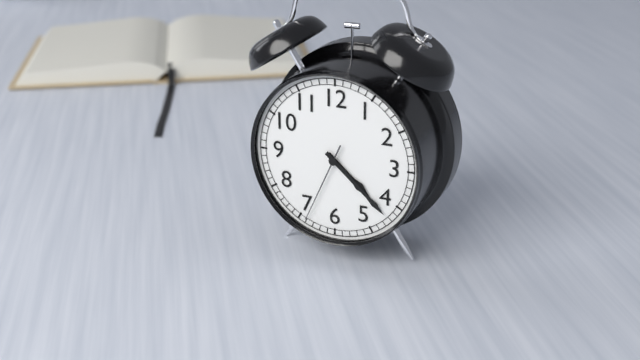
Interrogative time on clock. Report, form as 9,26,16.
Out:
4,22,34
